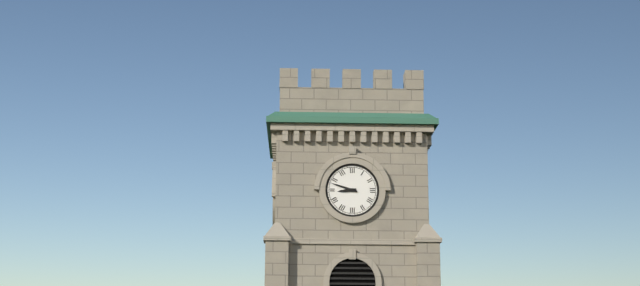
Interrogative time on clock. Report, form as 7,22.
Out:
8,48
